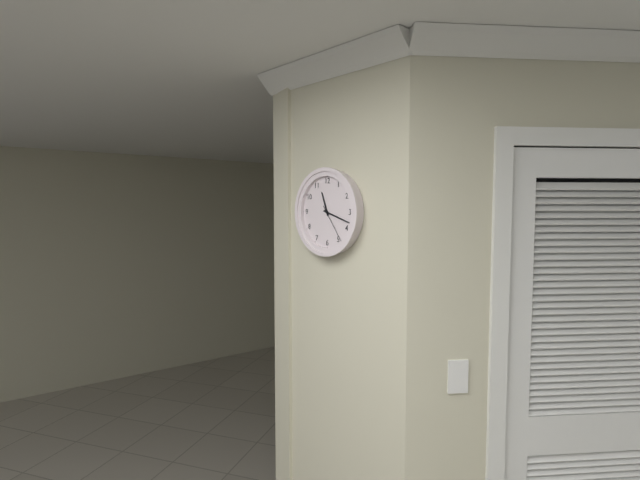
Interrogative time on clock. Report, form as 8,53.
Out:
11,18
